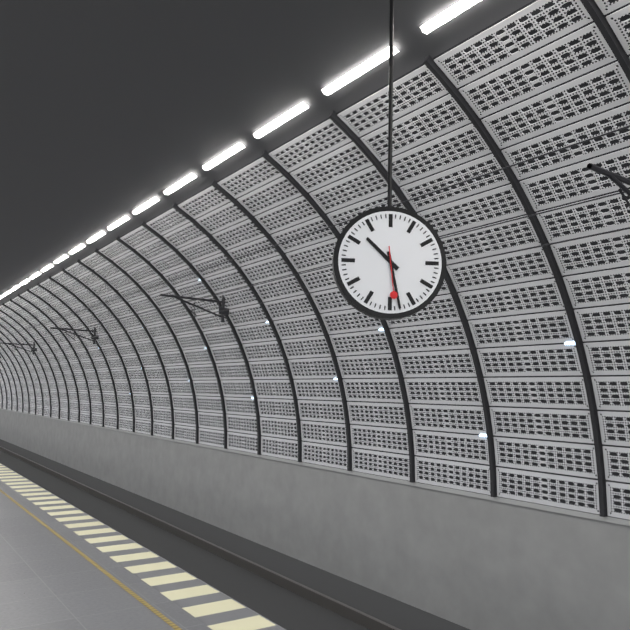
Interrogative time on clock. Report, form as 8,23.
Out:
10,28
